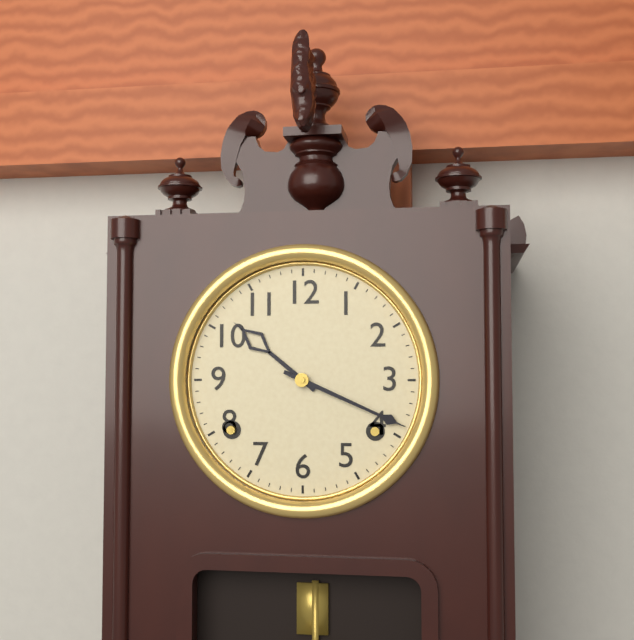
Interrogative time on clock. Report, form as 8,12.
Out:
10,19
